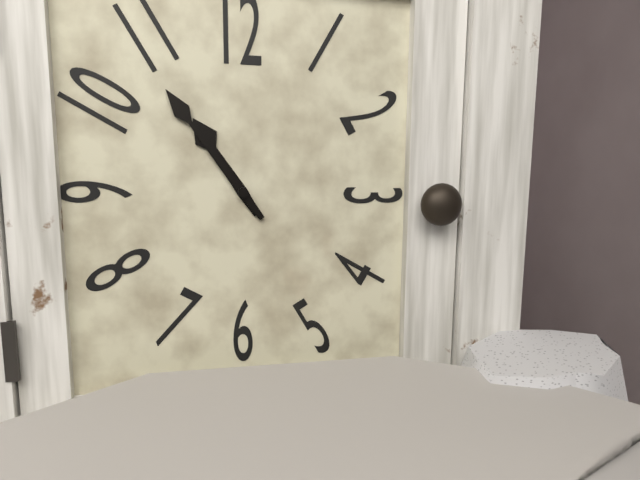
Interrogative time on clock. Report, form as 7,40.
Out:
10,54
